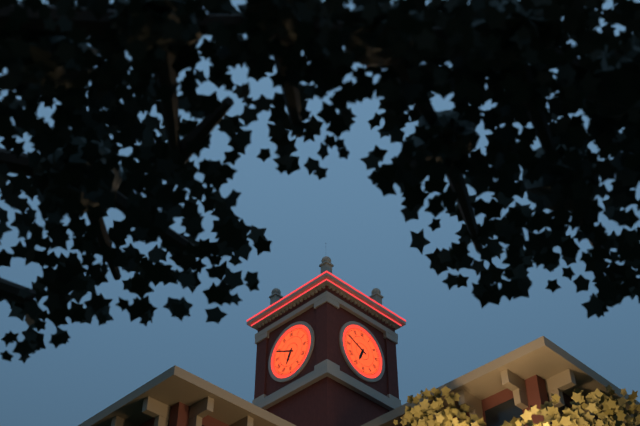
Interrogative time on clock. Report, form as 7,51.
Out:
6,49
